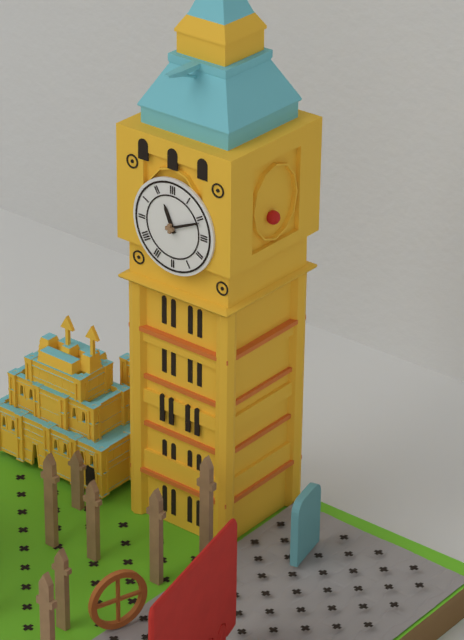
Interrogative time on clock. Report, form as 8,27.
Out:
11,11
